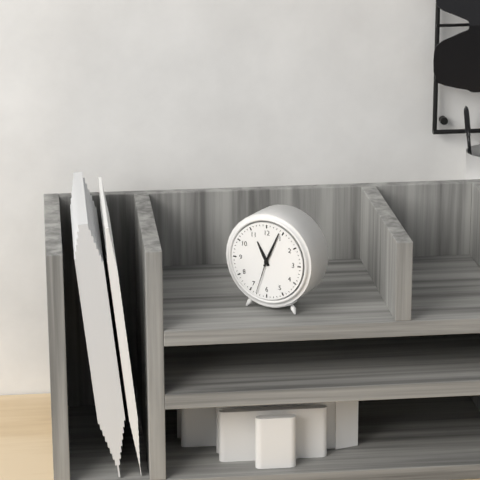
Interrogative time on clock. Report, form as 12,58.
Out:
11,04
